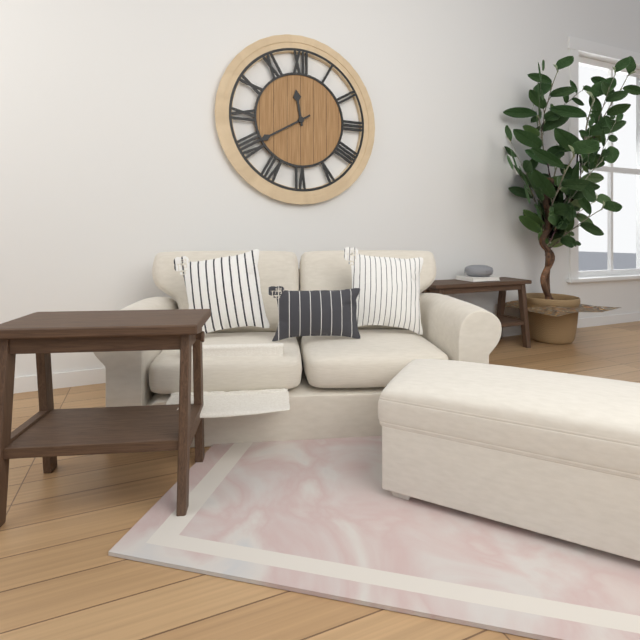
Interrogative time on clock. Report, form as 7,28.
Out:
11,40
